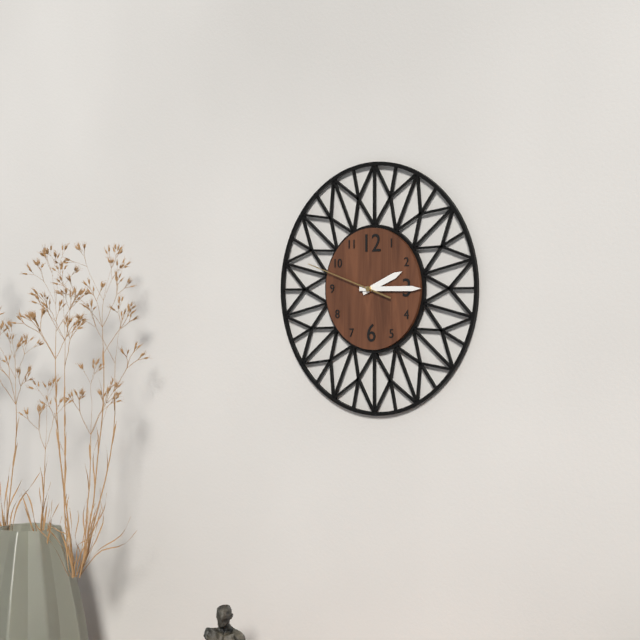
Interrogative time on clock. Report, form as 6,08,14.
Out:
2,15,48
